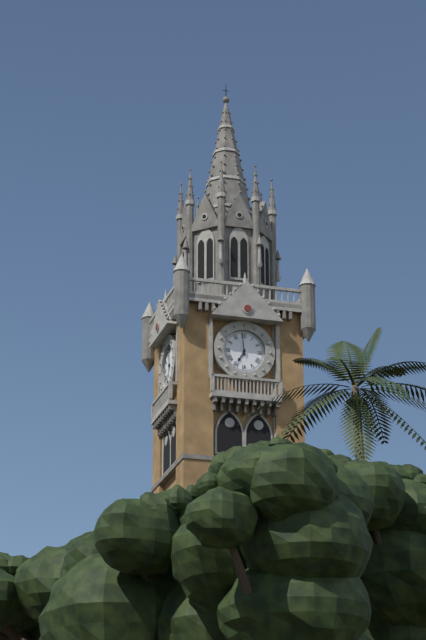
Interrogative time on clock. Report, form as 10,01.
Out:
6,59
